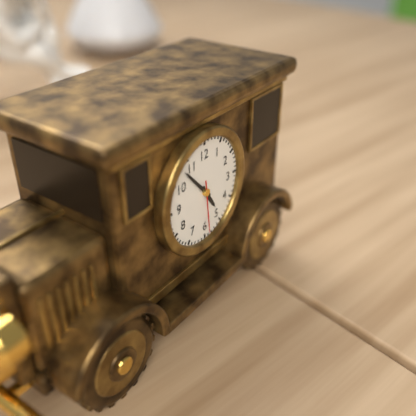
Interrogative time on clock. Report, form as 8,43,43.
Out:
4,53,29
